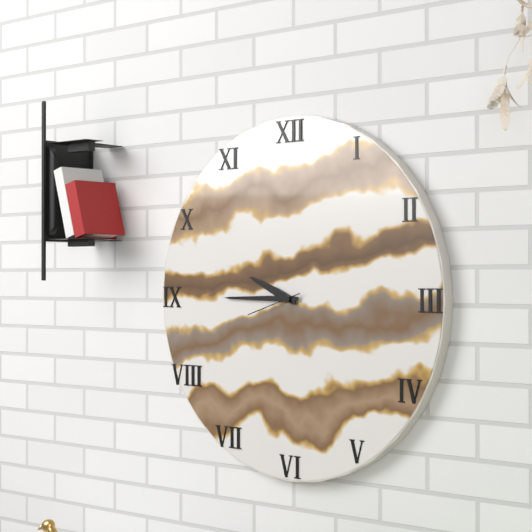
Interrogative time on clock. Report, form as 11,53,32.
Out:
9,45,42
